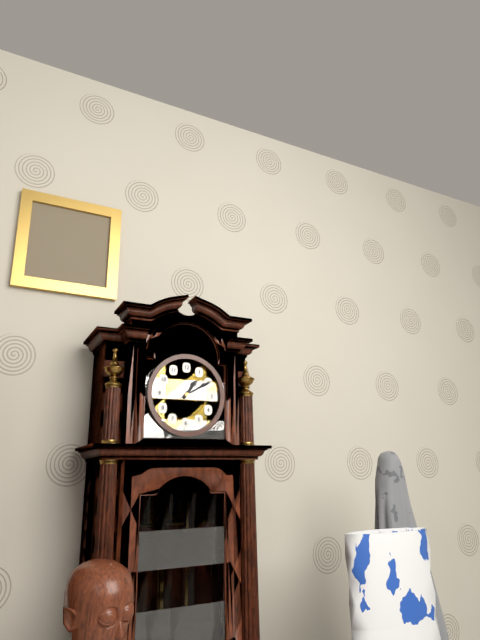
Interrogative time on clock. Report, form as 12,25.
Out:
1,10
